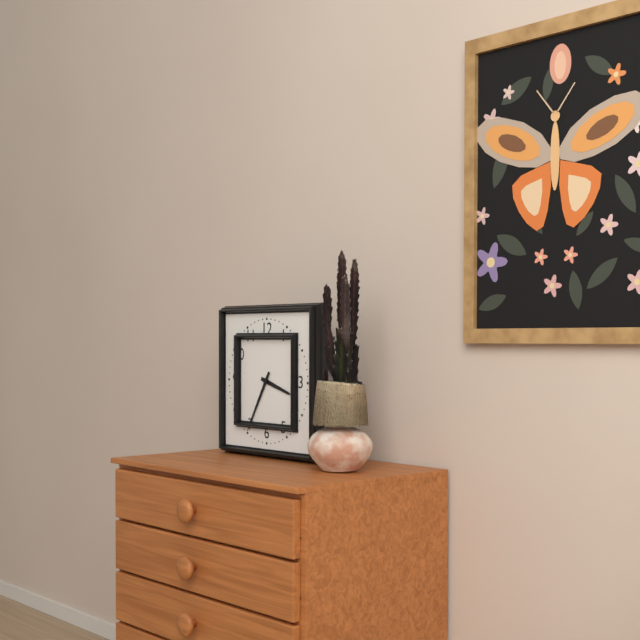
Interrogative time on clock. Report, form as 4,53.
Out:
3,35
